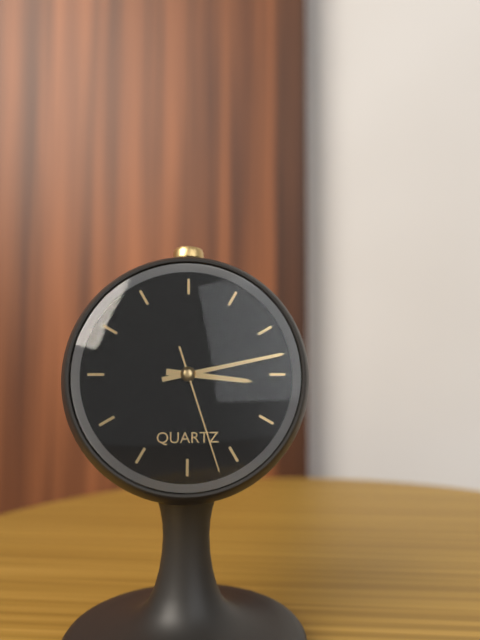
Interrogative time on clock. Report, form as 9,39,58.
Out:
3,13,27
